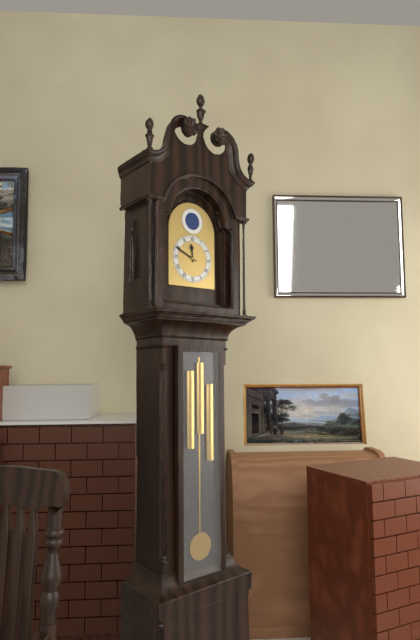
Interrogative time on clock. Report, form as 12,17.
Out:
11,49
